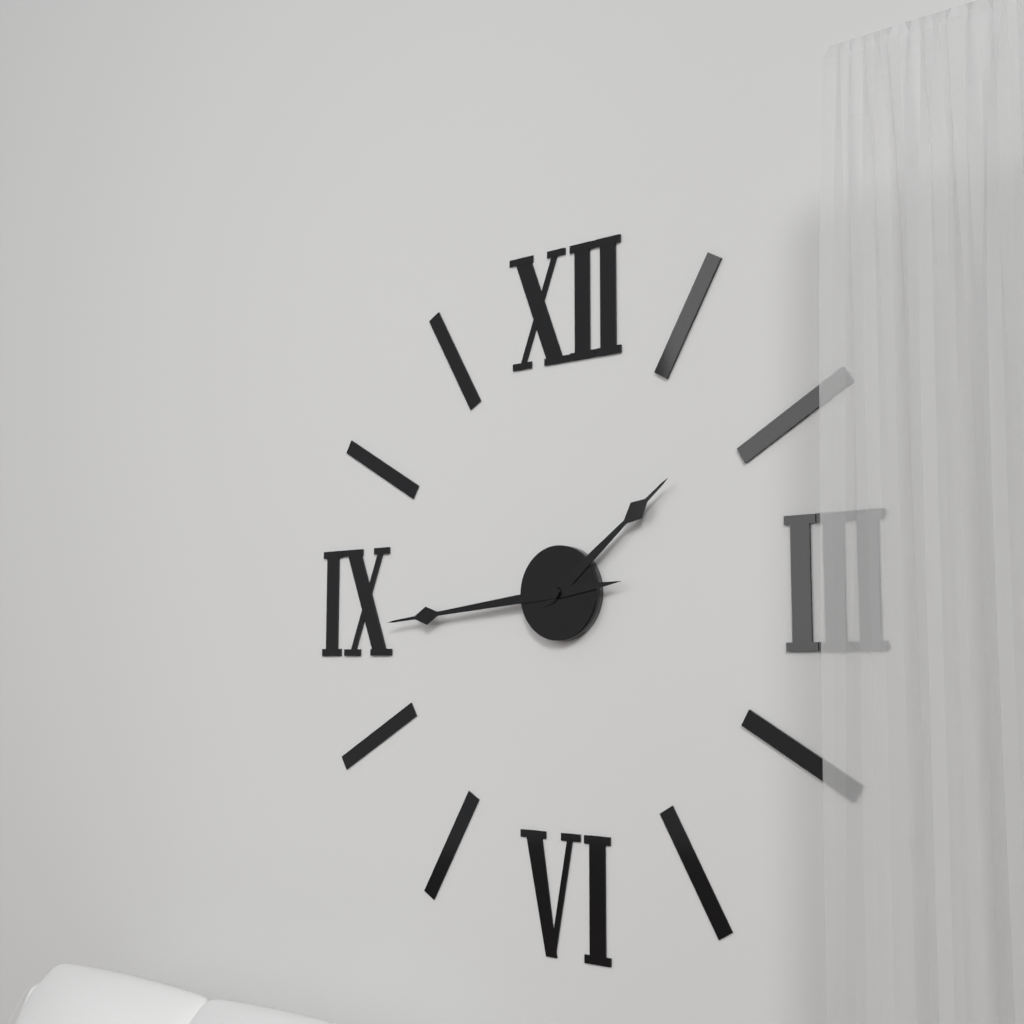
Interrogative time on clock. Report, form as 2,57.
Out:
1,44
